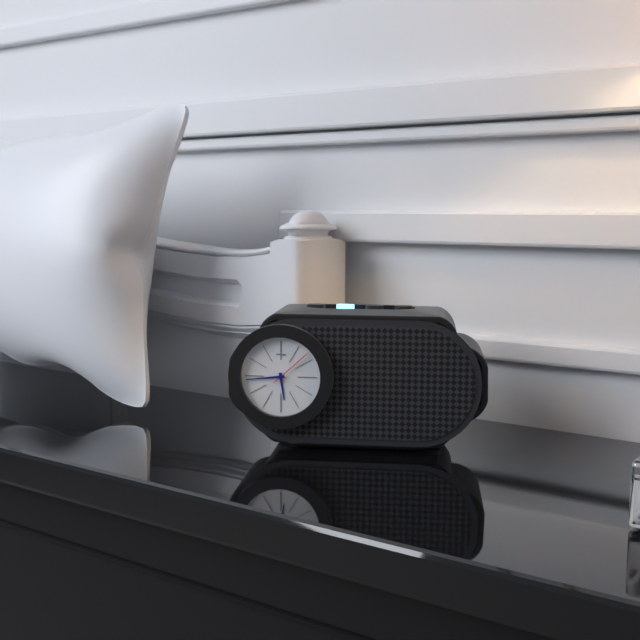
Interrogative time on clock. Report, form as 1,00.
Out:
5,44
